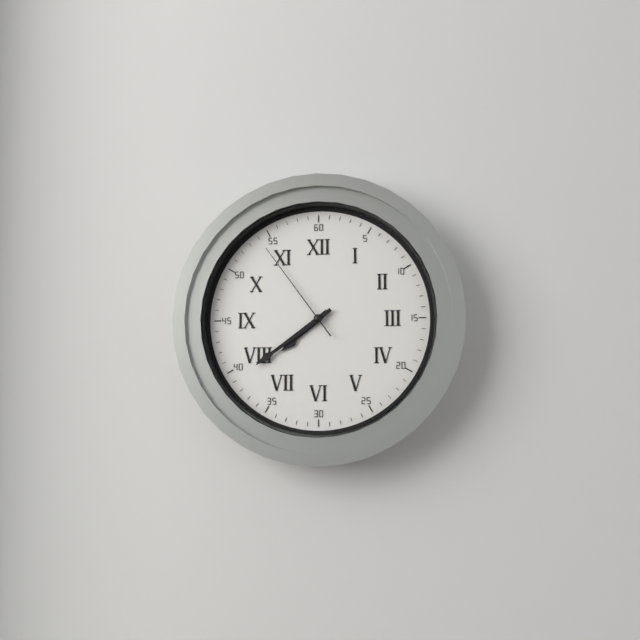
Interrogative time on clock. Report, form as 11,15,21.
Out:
7,39,54
